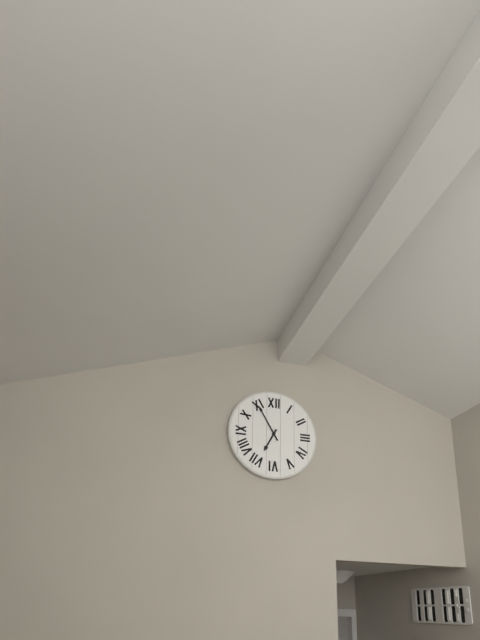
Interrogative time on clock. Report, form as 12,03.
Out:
6,55
